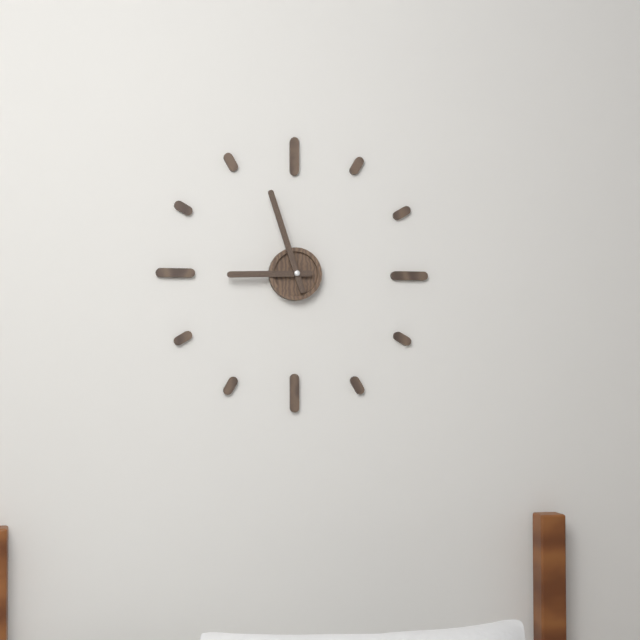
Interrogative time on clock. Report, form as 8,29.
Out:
8,57
